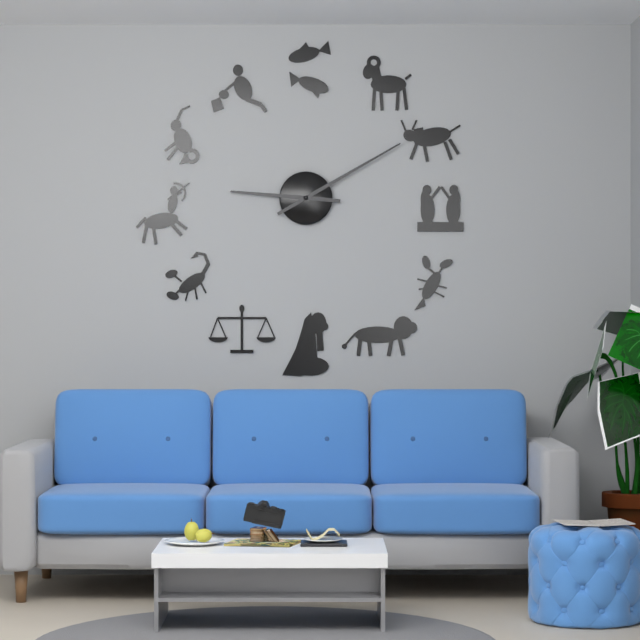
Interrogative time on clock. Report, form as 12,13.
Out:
9,10
